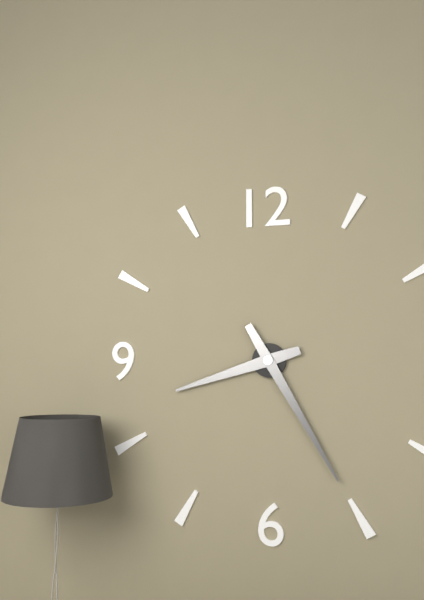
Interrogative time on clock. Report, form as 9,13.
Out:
8,25
